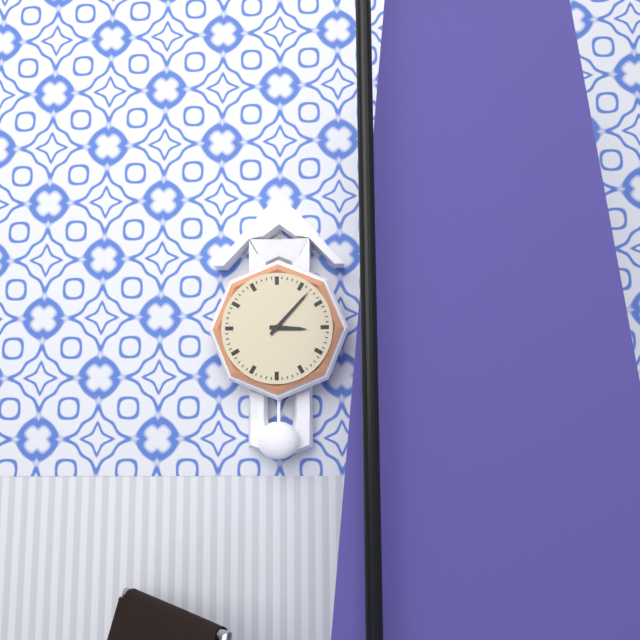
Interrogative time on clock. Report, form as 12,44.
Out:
3,07
